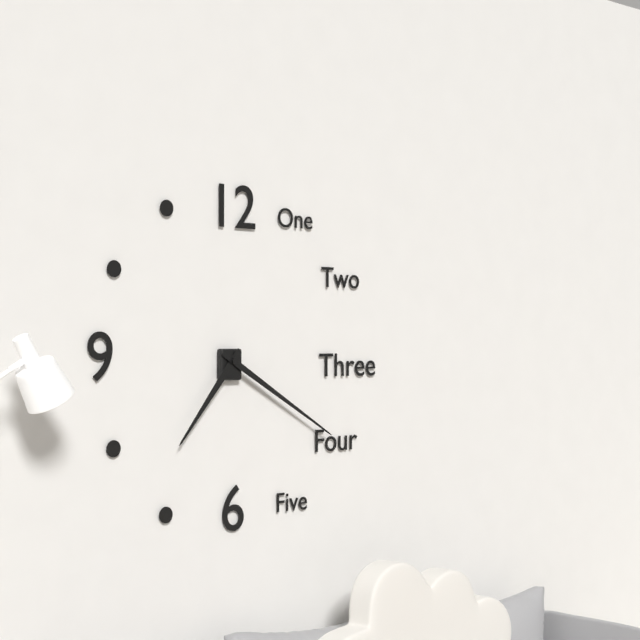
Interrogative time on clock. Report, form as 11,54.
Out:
7,20
